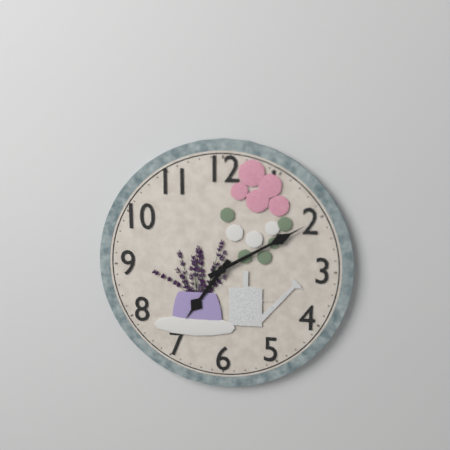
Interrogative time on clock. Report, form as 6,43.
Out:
7,10
